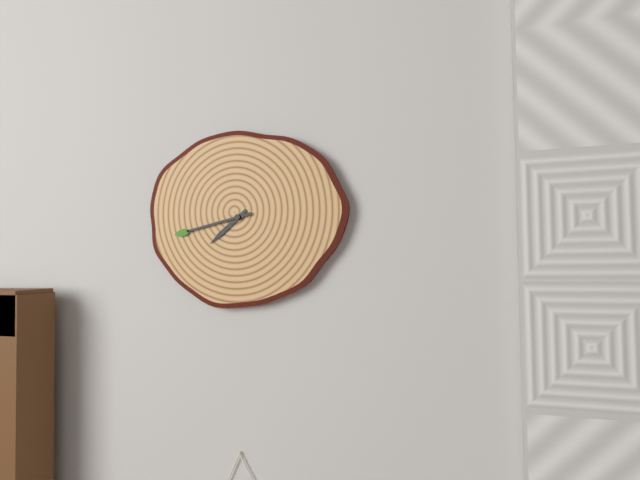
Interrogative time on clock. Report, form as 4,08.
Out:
7,43
